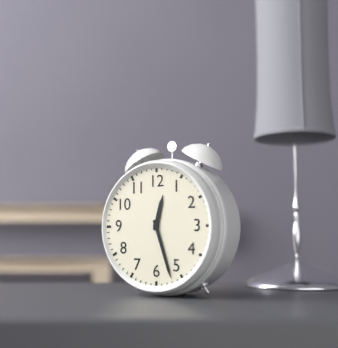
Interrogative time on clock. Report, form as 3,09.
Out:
12,27
